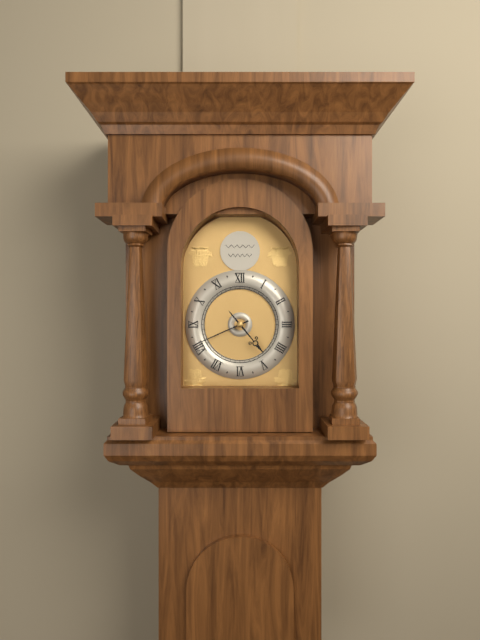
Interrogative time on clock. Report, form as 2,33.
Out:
4,41
